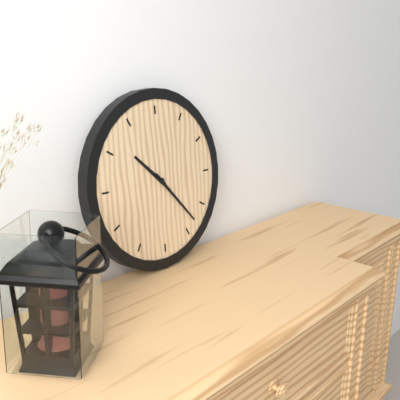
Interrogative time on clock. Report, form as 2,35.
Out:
10,23
